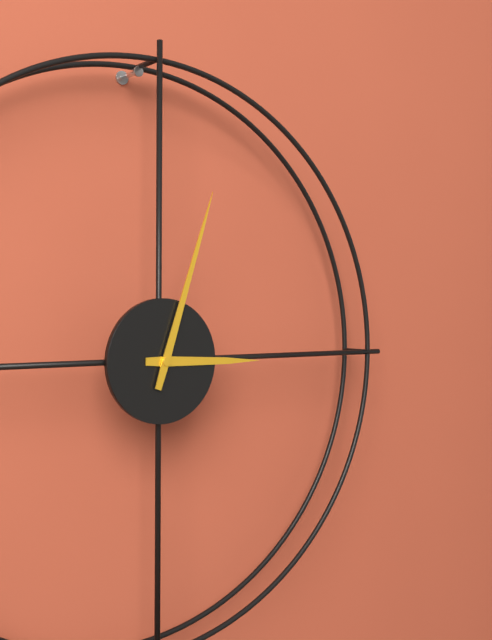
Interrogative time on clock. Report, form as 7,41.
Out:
3,03
